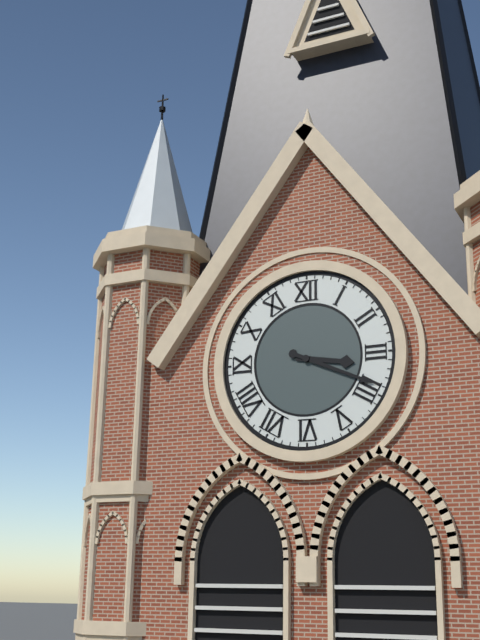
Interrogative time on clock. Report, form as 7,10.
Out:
3,19
